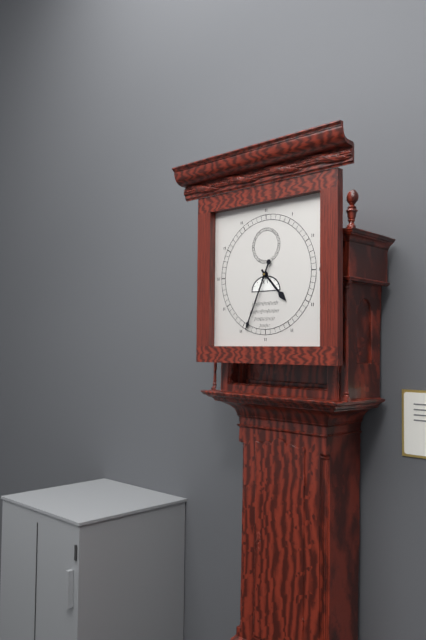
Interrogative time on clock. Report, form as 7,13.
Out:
4,34
